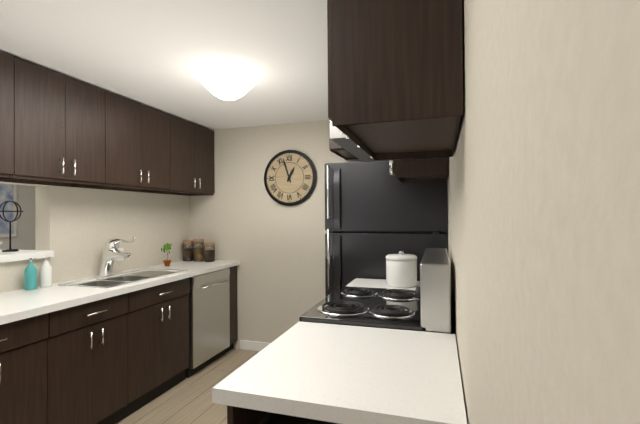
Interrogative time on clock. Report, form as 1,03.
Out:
12,57
